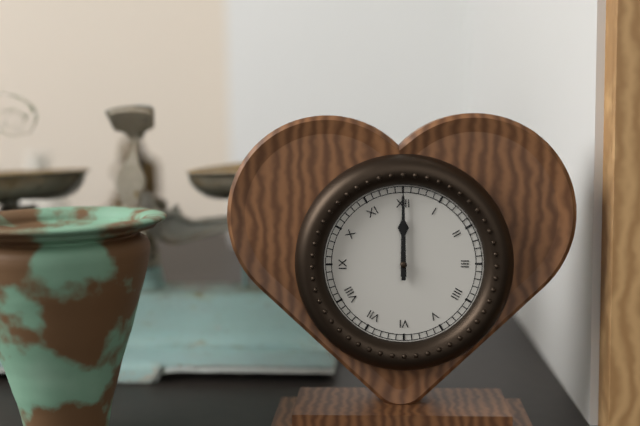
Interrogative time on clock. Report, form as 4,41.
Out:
12,00
